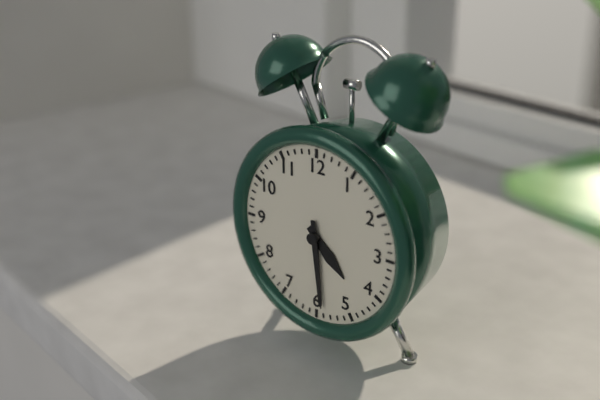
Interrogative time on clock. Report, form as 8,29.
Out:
4,29
